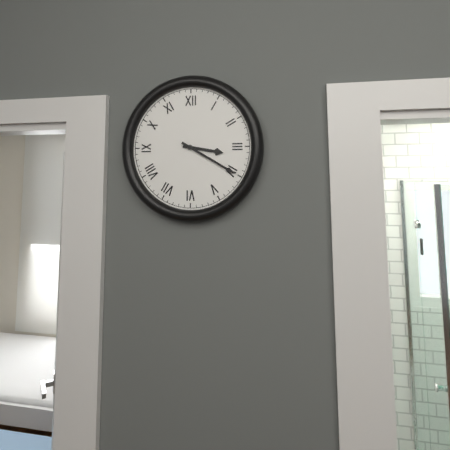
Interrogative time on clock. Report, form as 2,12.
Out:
3,20
